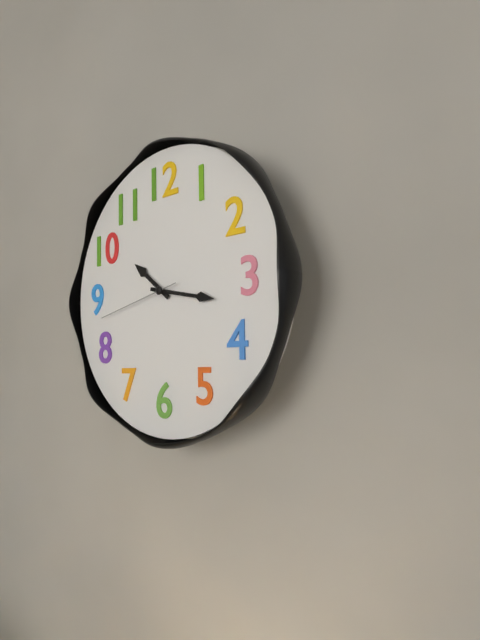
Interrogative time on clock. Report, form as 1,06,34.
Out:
10,17,43
